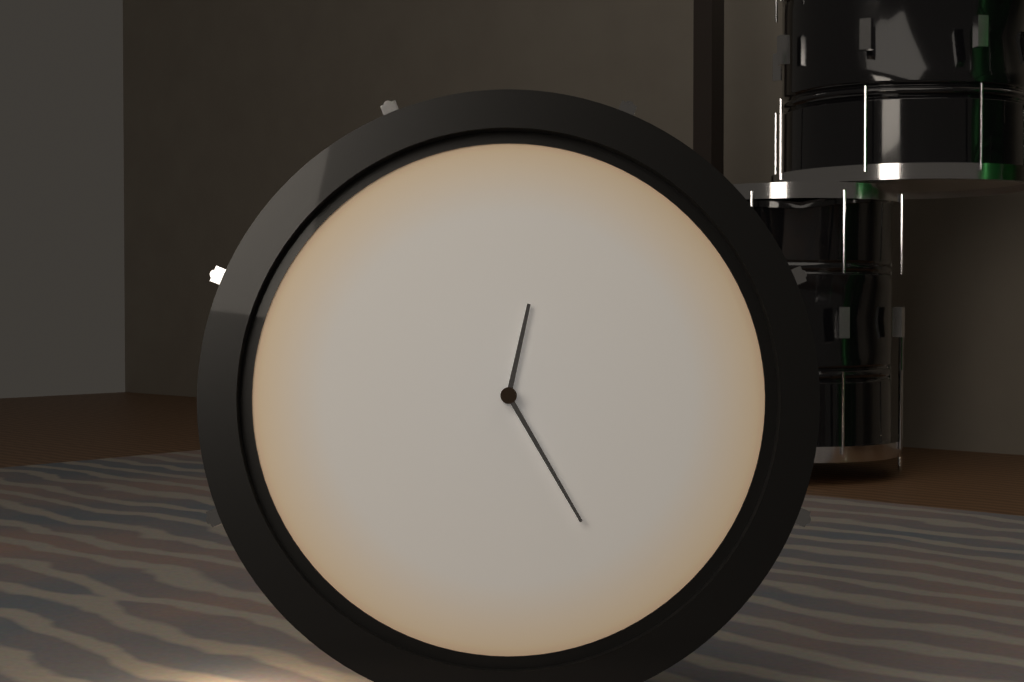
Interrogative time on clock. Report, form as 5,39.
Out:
12,25
